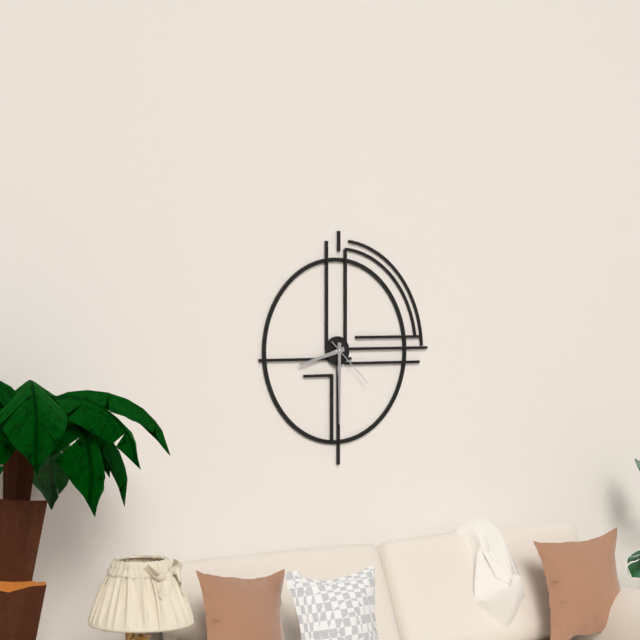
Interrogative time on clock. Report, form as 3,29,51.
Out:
8,30,22
